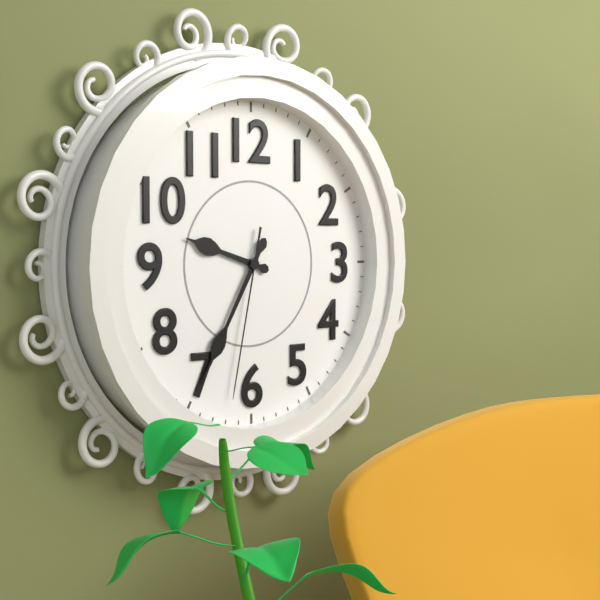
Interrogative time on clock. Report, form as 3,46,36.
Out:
9,35,32
